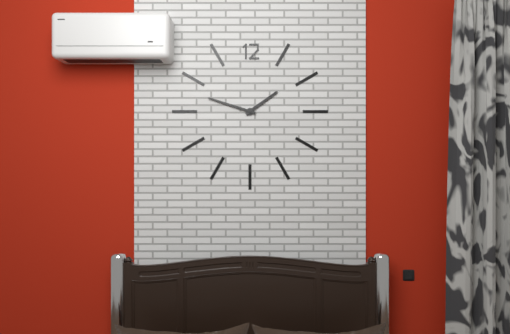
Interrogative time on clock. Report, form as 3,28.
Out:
1,48
